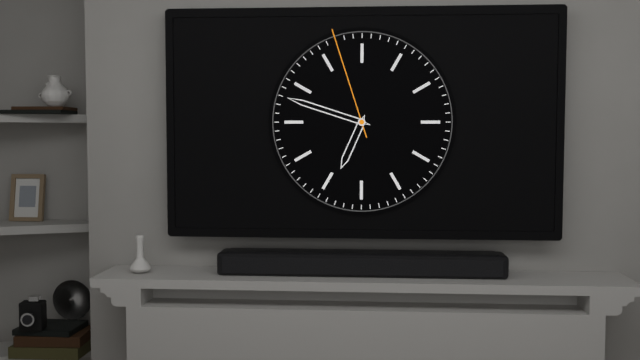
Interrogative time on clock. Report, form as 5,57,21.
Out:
6,48,57
